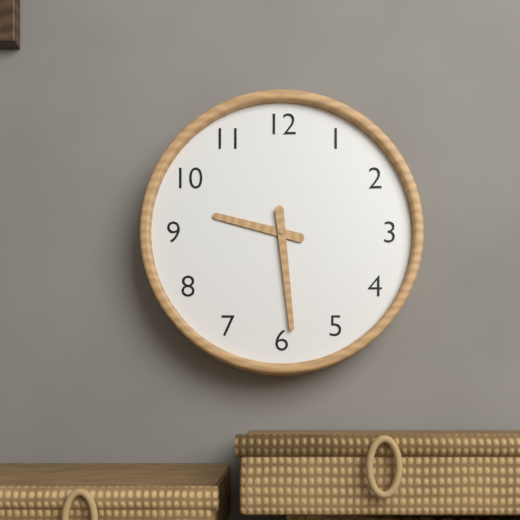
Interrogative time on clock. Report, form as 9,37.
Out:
9,29
